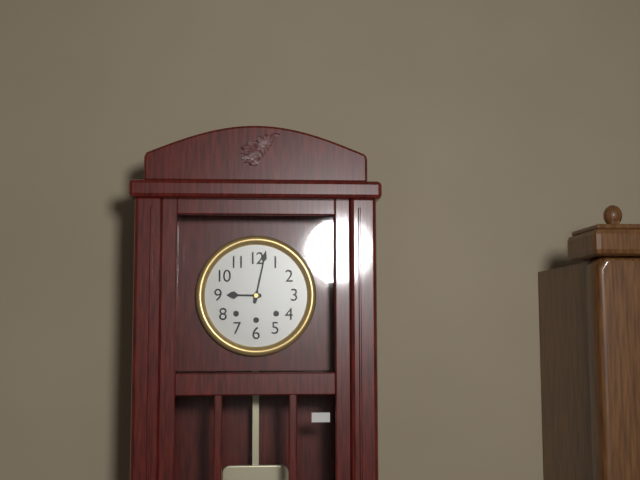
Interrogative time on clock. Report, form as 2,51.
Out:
9,02
